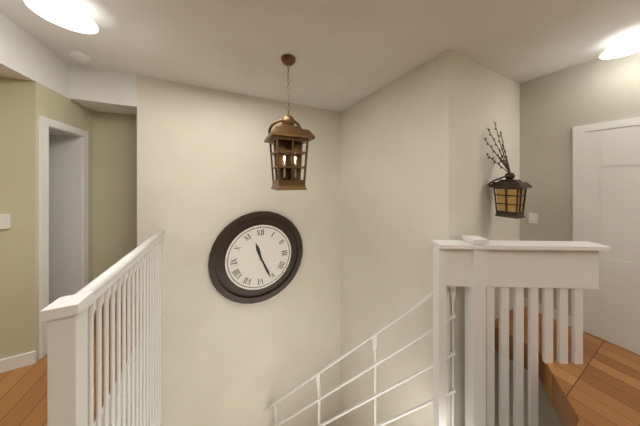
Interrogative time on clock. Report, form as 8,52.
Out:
11,26
